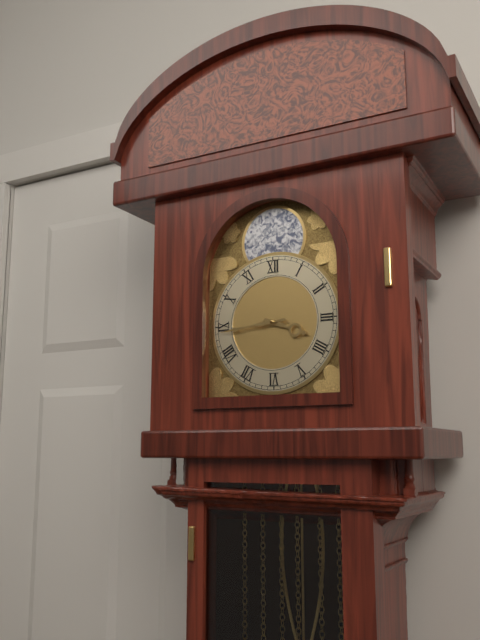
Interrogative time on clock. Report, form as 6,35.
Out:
3,44
